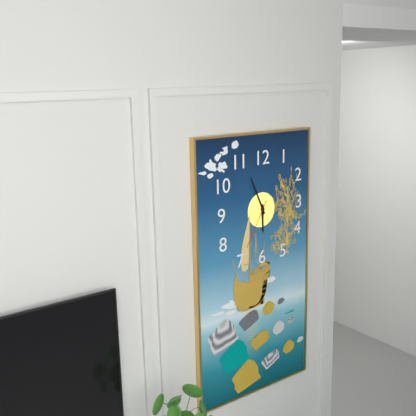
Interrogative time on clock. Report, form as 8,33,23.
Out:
5,56,35
